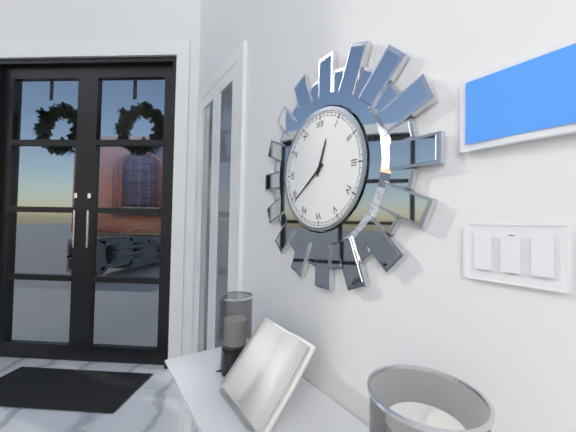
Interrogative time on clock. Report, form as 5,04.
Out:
12,39
